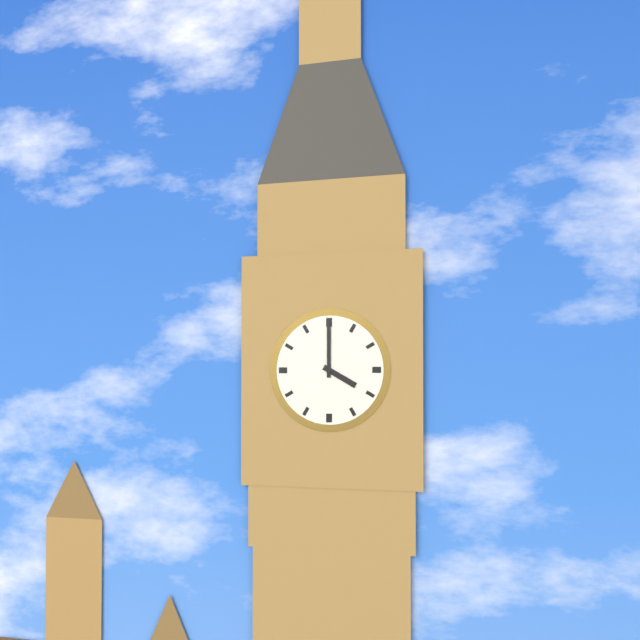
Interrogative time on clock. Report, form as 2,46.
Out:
4,00
